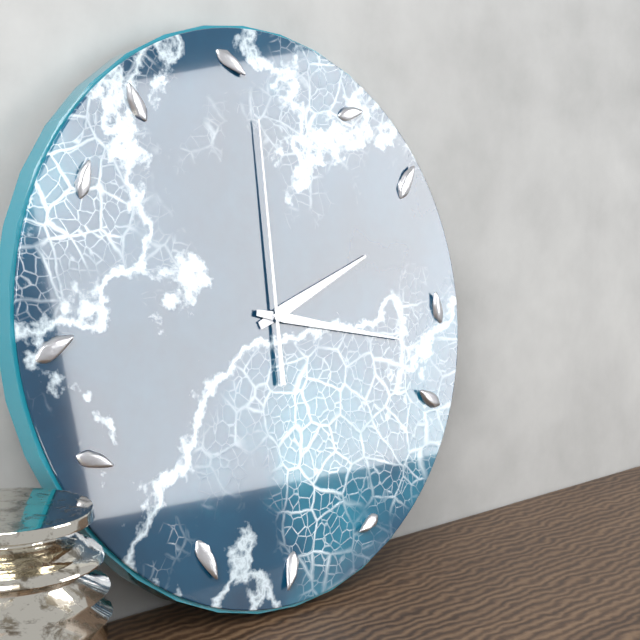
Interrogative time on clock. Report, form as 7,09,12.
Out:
2,17,00
